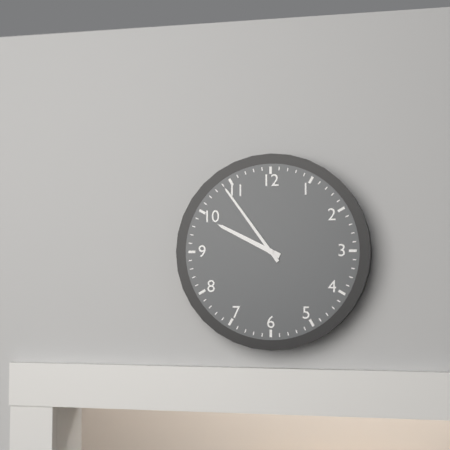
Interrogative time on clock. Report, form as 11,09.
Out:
9,54
